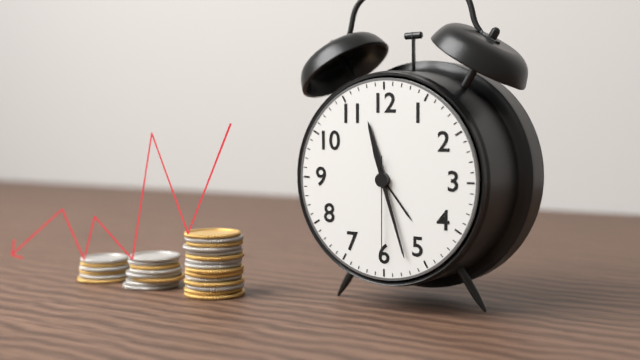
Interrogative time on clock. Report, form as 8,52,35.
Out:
11,27,30
